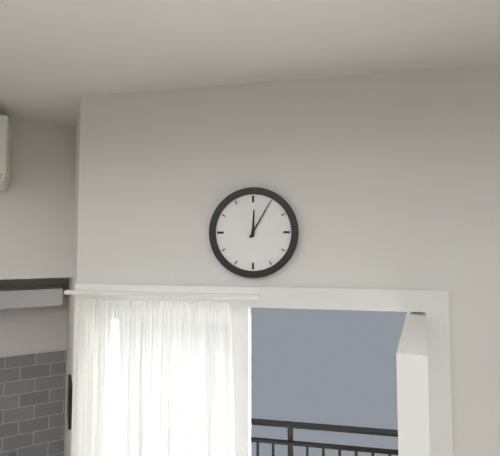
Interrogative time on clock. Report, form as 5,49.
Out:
12,05
